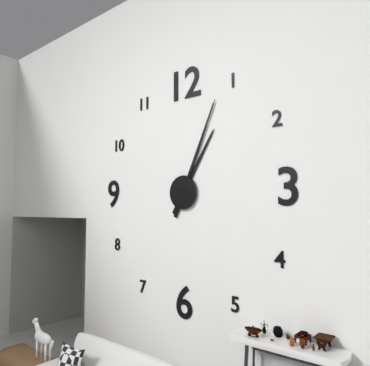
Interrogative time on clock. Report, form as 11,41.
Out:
1,04
